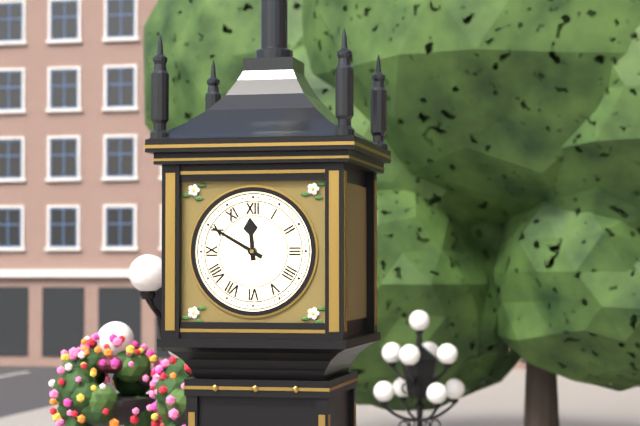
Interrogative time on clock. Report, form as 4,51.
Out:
11,50
